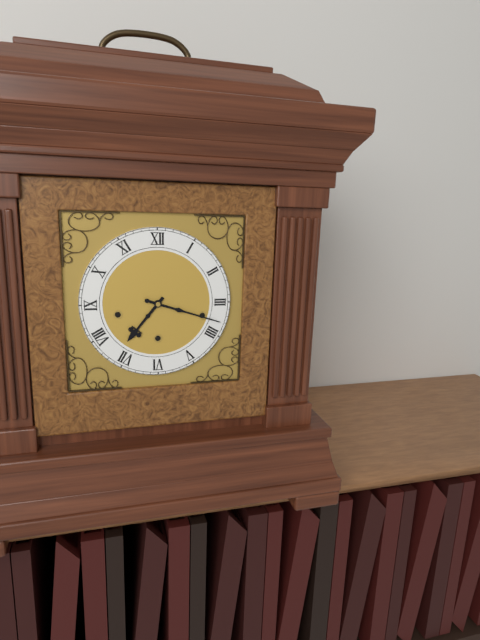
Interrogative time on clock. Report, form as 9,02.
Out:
7,18
